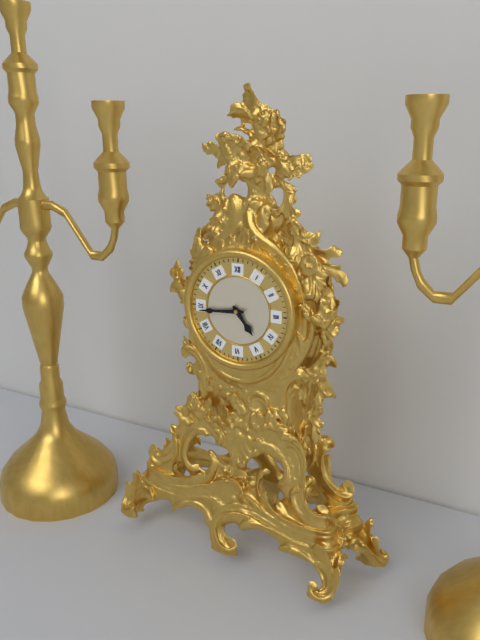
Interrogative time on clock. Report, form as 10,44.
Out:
4,44
